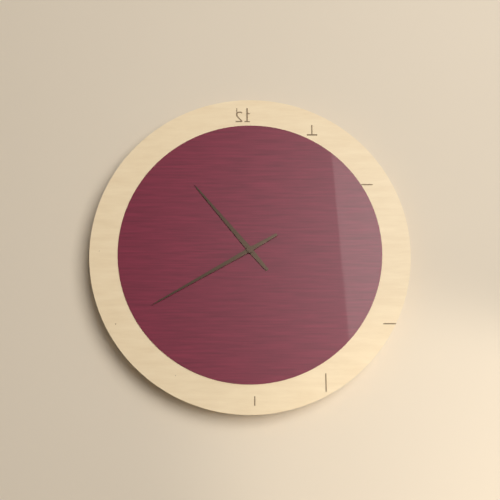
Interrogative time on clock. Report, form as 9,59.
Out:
10,40
